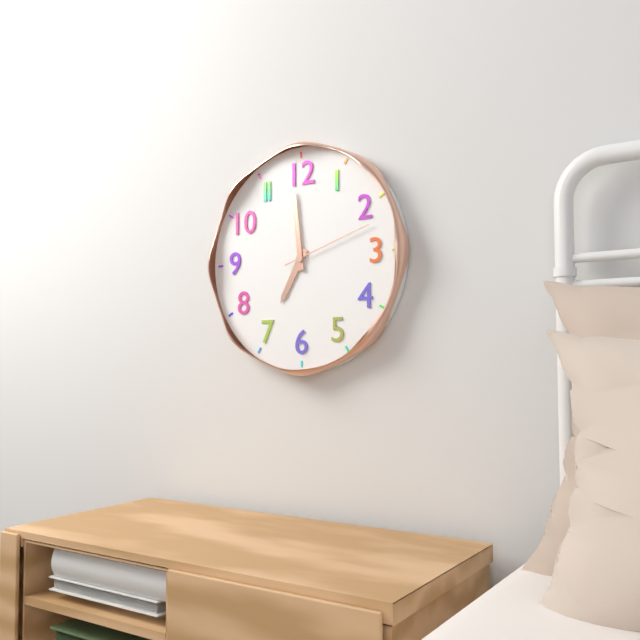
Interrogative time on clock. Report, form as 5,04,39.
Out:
6,59,12
